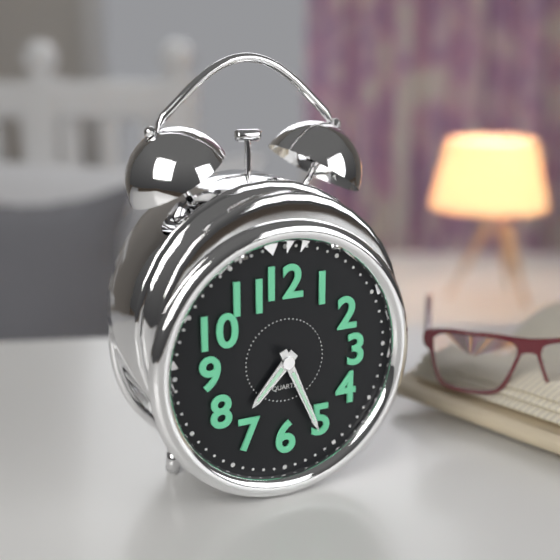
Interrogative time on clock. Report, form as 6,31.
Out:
7,26
